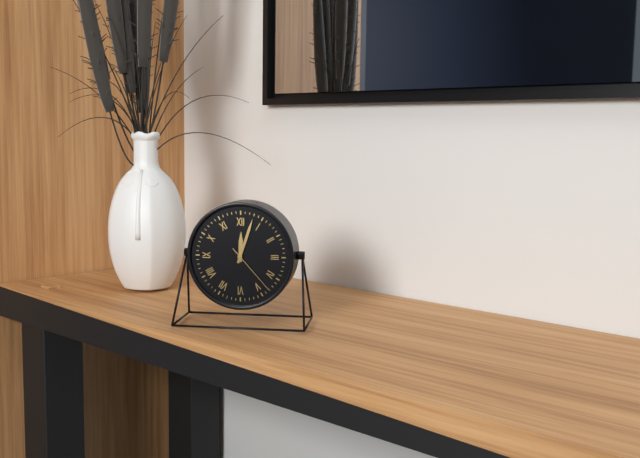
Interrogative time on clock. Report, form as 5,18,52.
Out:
12,03,23
